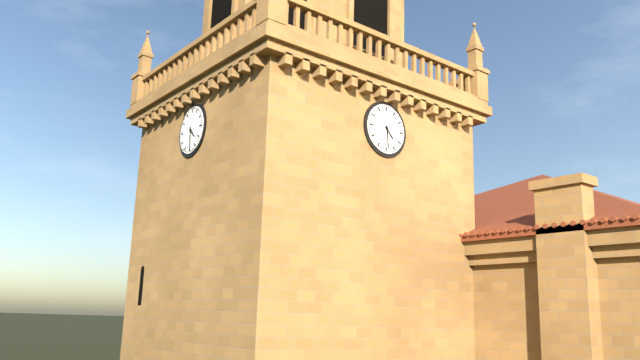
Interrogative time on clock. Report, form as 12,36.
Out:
4,29
